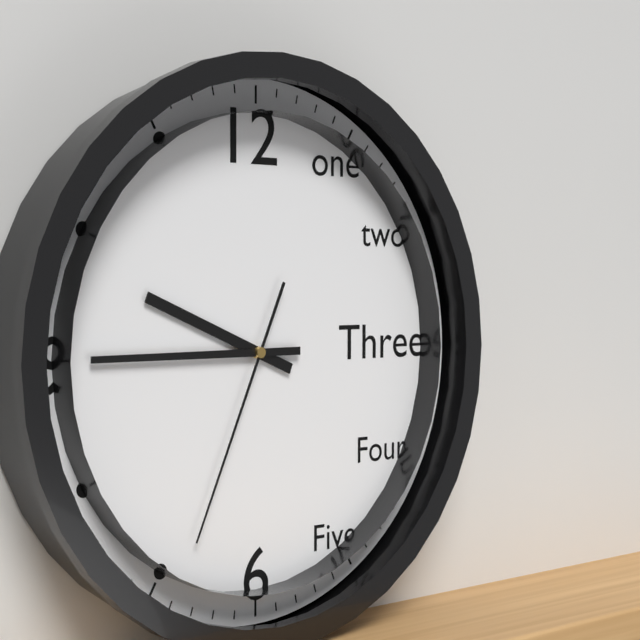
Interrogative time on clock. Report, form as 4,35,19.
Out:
9,45,34
